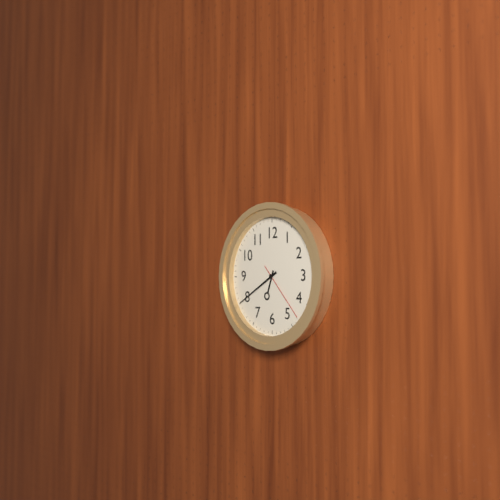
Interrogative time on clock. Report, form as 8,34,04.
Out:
6,40,23
